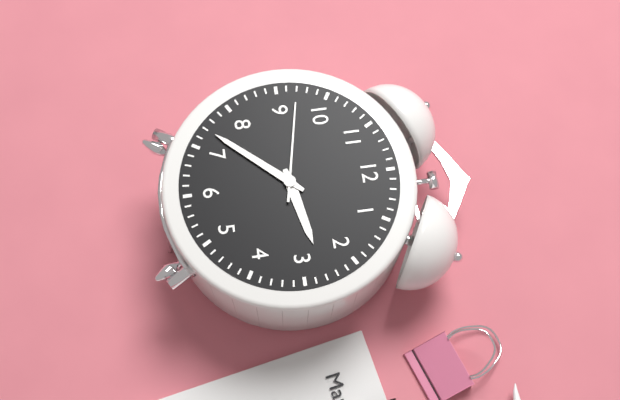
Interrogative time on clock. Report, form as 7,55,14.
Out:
2,37,47
